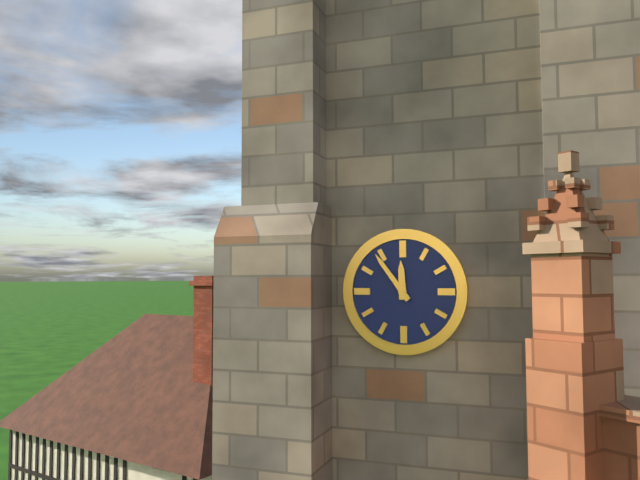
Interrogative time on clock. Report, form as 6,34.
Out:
11,54
